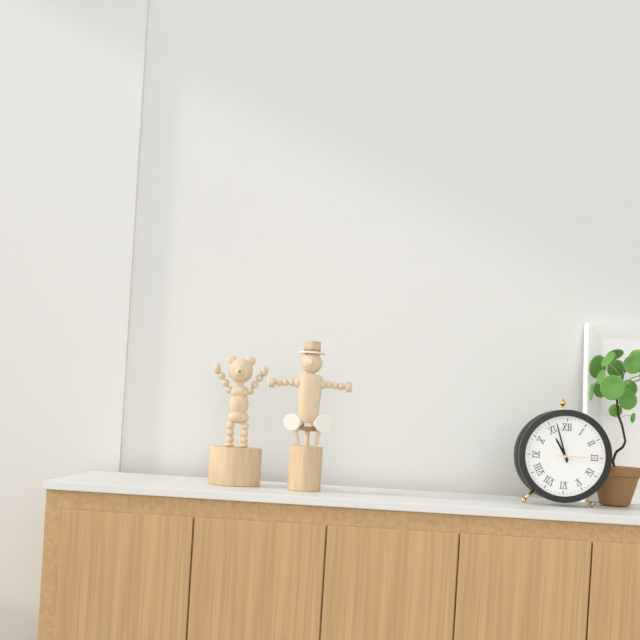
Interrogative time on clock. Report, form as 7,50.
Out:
10,57
